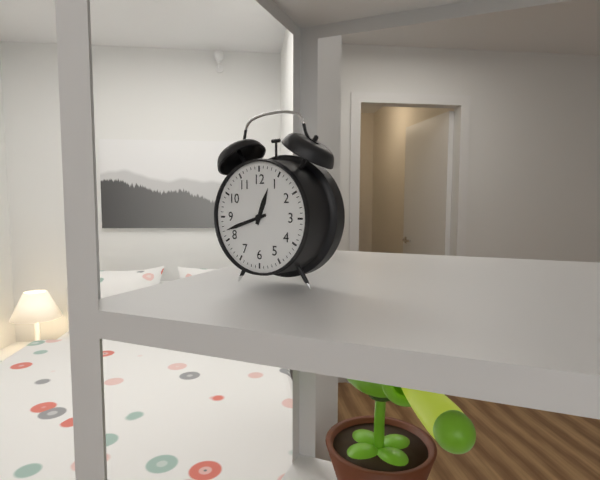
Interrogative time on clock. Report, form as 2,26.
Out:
12,42
